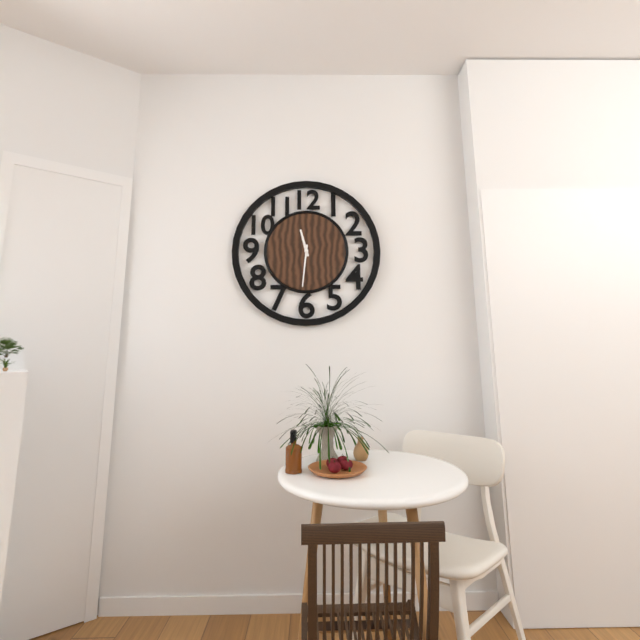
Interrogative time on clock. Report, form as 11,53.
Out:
11,31
